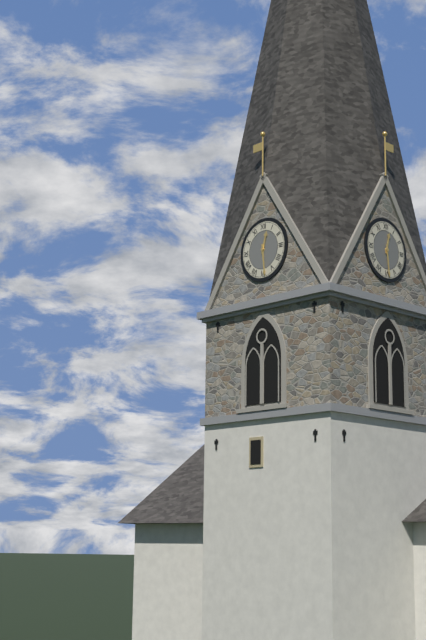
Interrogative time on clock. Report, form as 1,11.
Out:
12,29
